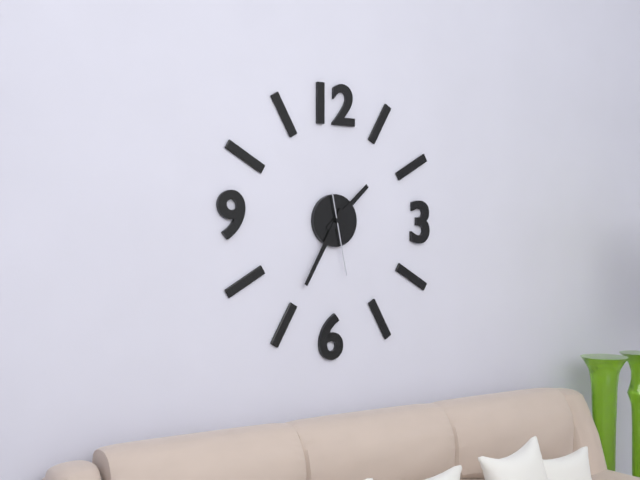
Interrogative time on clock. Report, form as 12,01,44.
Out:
1,35,28
